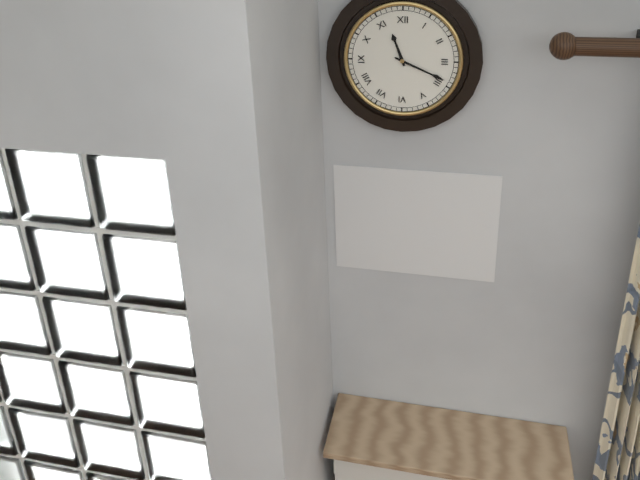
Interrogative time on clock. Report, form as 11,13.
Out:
11,19
